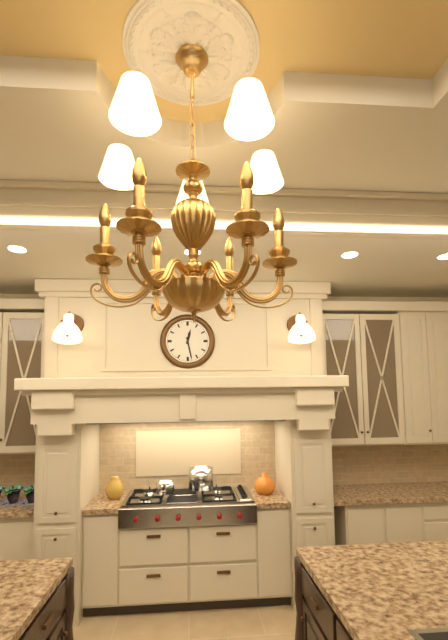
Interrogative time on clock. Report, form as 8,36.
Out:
12,28
